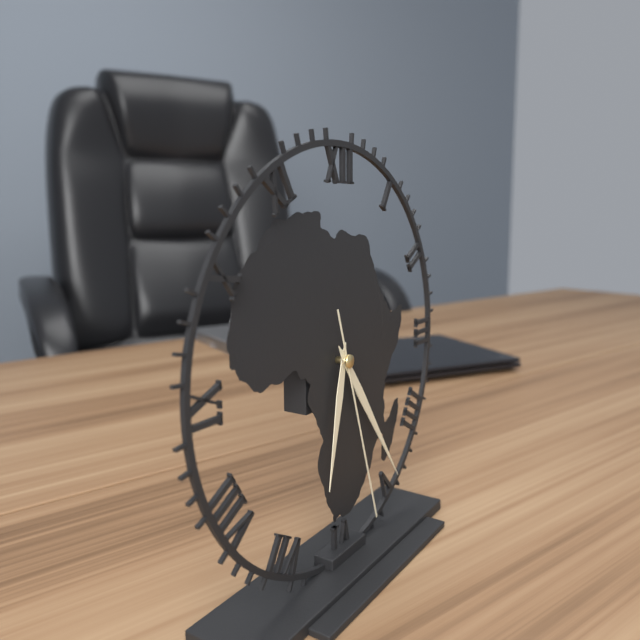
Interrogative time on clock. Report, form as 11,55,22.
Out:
6,24,27
